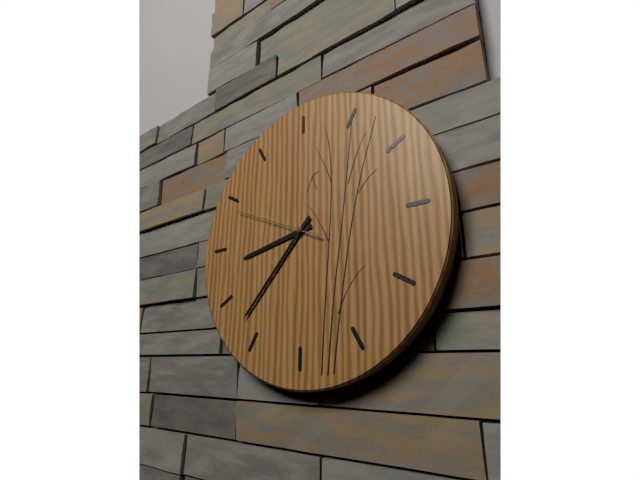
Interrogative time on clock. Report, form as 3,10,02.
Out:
8,37,49
